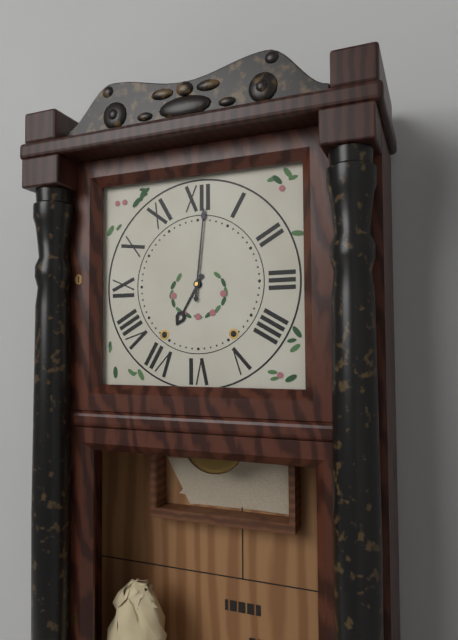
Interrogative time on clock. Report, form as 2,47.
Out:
7,01
